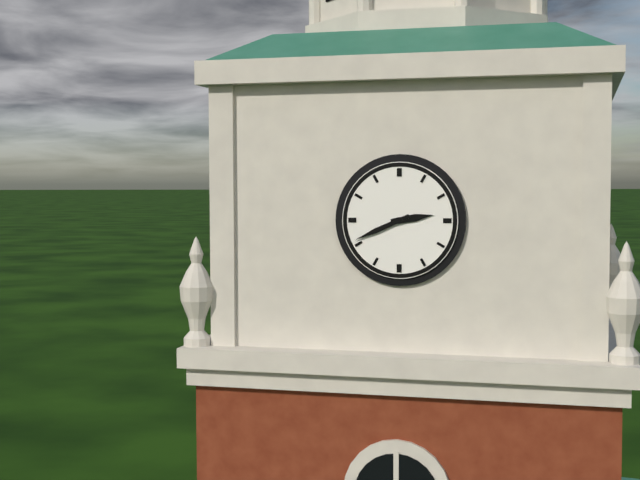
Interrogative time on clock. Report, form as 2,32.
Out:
2,41
